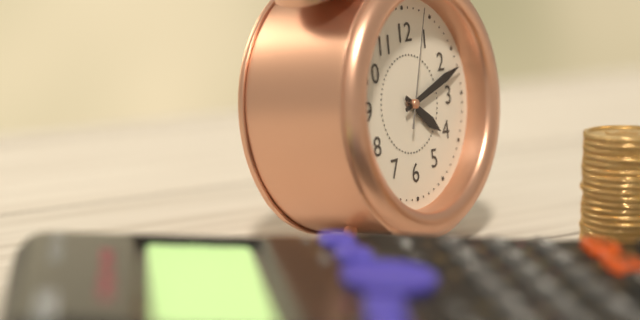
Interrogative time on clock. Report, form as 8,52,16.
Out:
4,12,03
